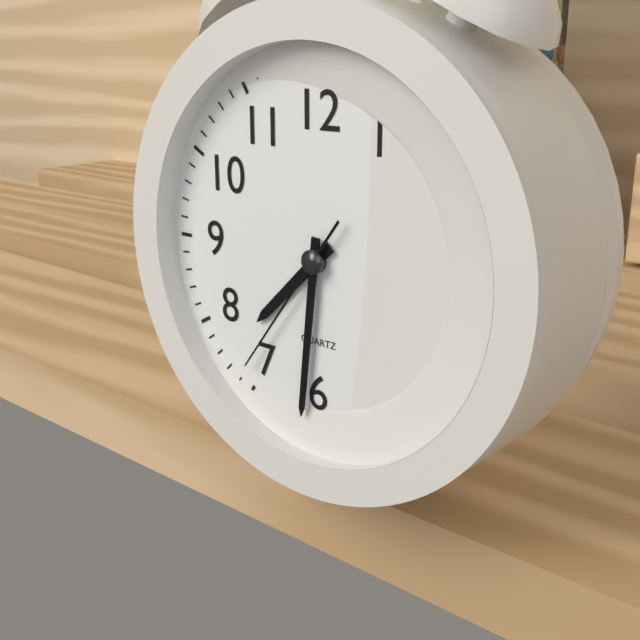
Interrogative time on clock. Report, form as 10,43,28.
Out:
7,31,36
